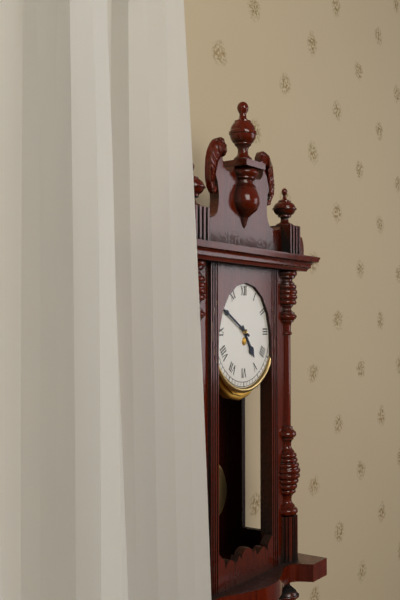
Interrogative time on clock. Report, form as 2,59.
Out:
4,50
